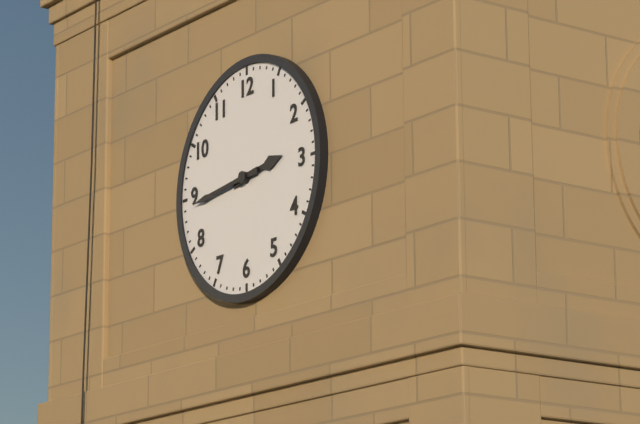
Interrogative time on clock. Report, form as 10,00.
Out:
2,44
